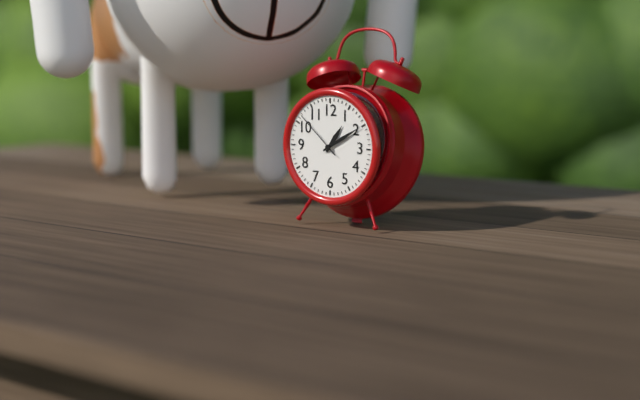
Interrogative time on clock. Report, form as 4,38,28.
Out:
1,10,52
